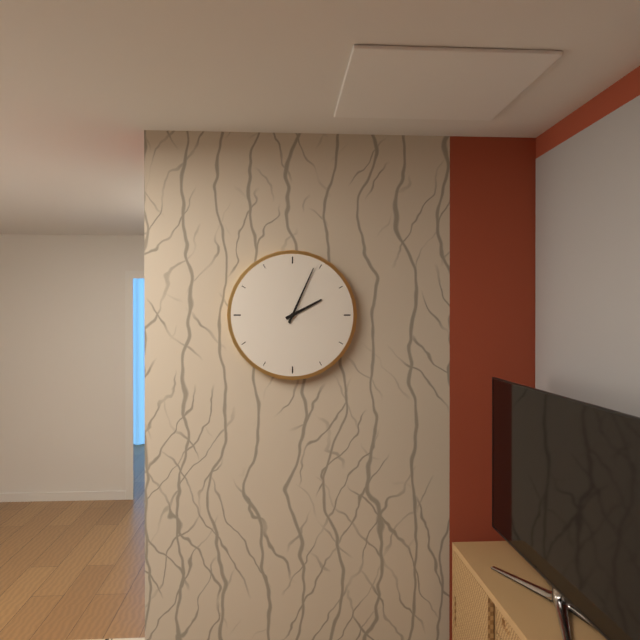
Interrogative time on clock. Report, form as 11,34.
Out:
2,04
